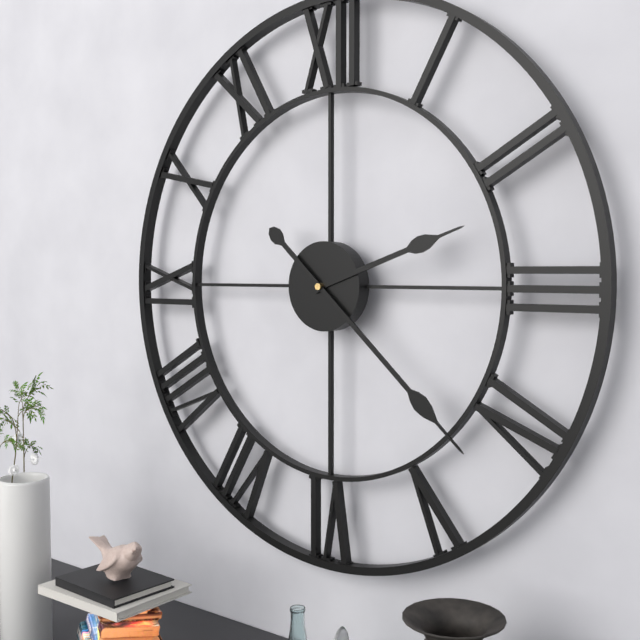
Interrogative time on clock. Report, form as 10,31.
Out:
2,22
